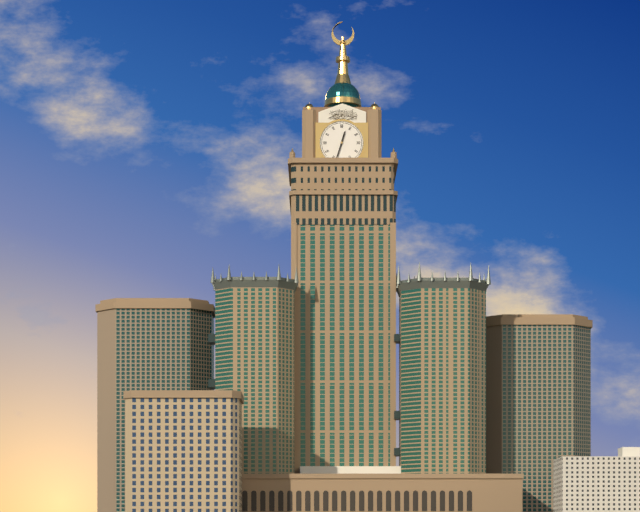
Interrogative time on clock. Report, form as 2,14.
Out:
12,33
